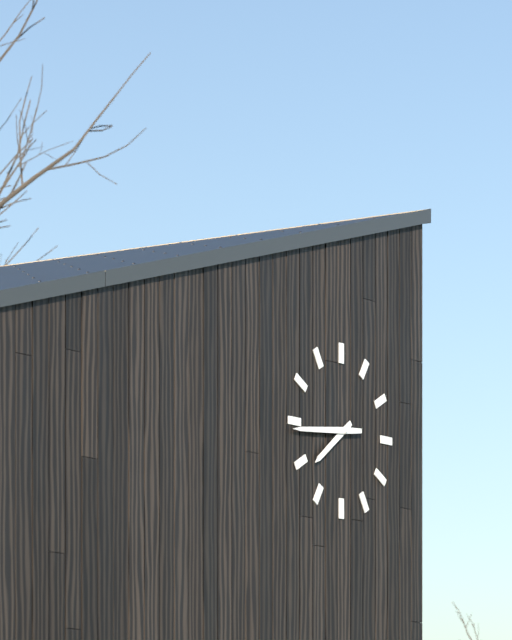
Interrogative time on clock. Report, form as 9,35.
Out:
7,44
